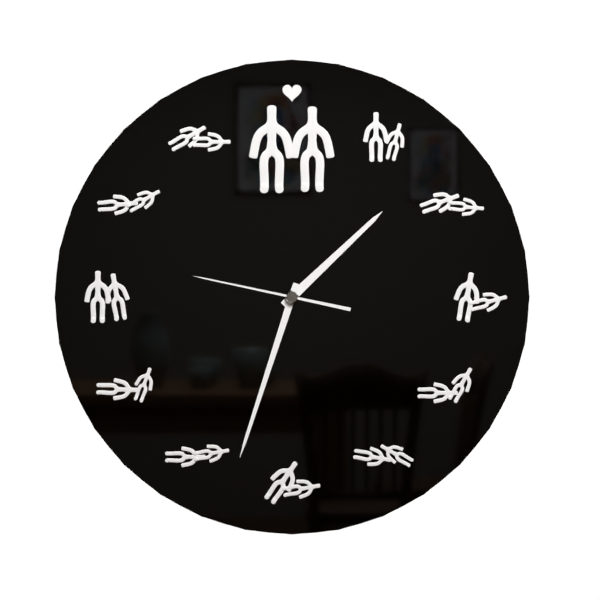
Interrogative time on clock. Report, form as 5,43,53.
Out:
1,33,47
